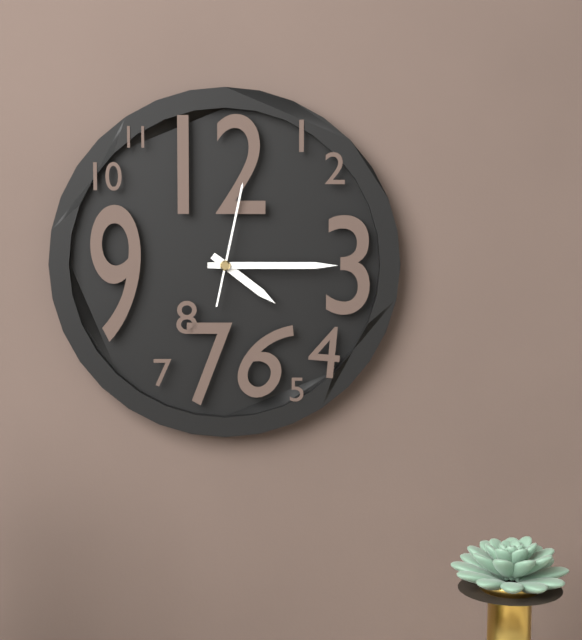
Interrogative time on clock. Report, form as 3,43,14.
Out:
4,15,02
